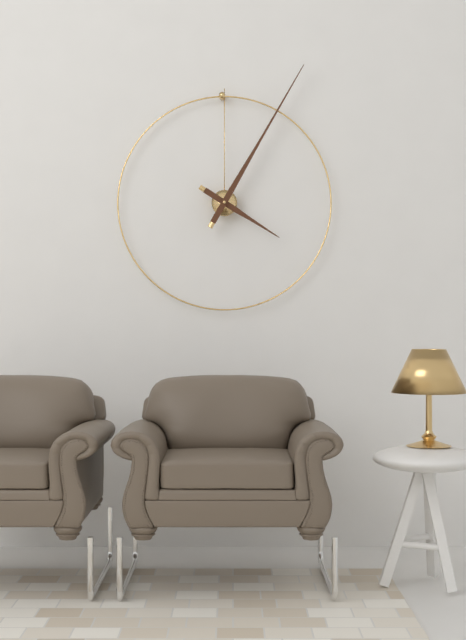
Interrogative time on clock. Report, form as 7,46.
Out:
4,05
